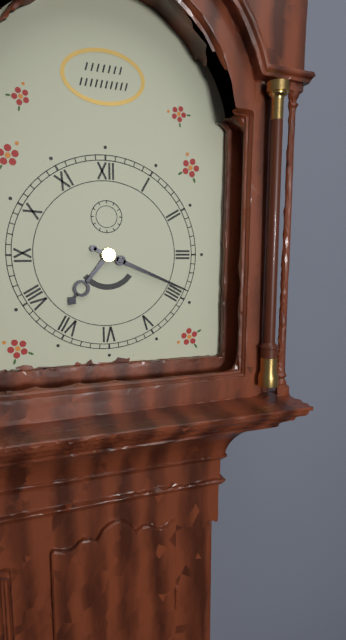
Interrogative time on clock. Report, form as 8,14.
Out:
7,19
